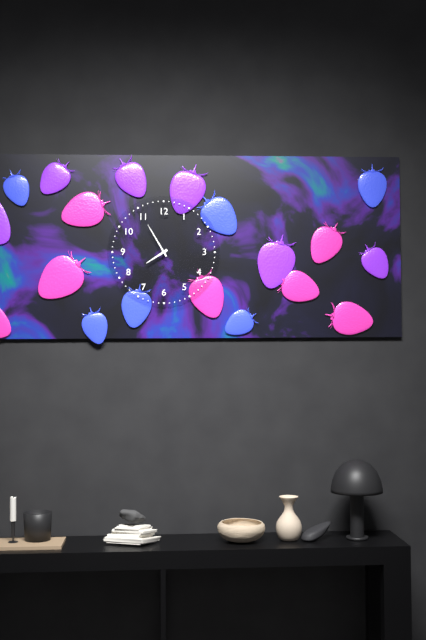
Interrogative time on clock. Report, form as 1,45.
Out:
7,55
